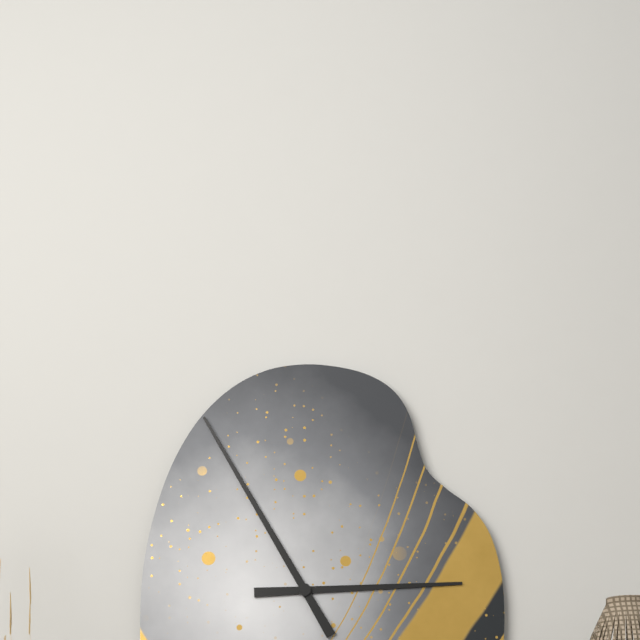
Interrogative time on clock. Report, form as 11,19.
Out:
2,55
